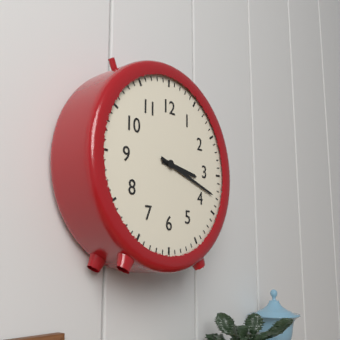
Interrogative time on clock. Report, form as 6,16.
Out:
3,18
